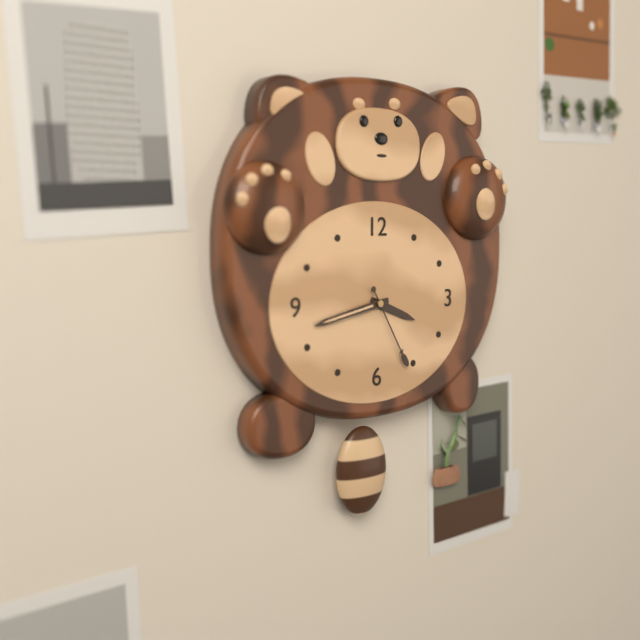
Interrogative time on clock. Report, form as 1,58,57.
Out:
3,43,25
